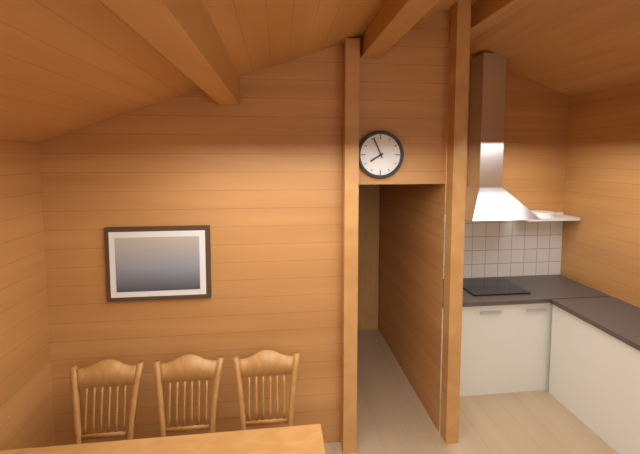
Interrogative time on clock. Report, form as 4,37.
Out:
7,56
